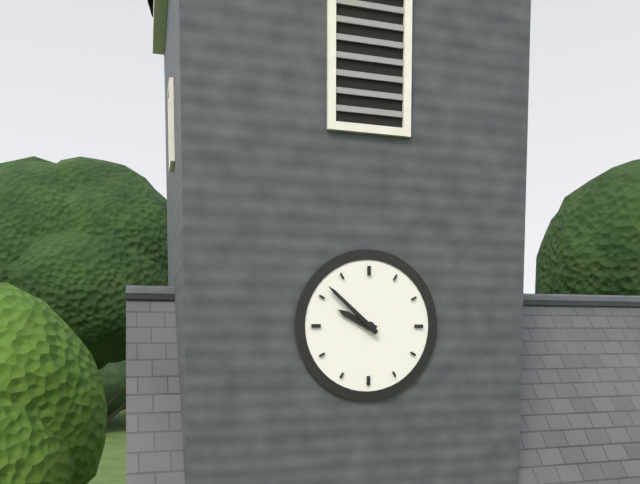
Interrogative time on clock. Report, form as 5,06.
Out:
9,52
